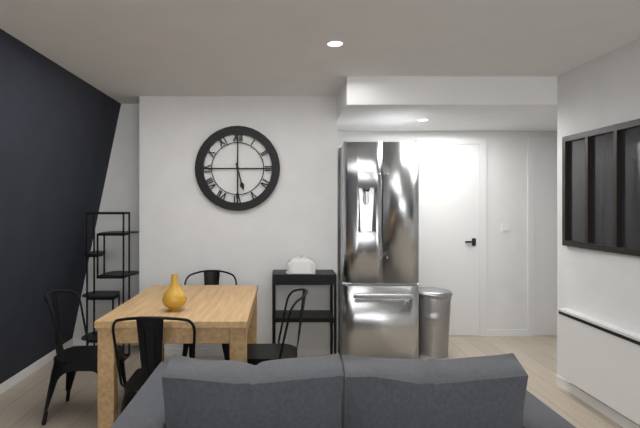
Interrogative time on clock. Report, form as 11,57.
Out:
5,30
